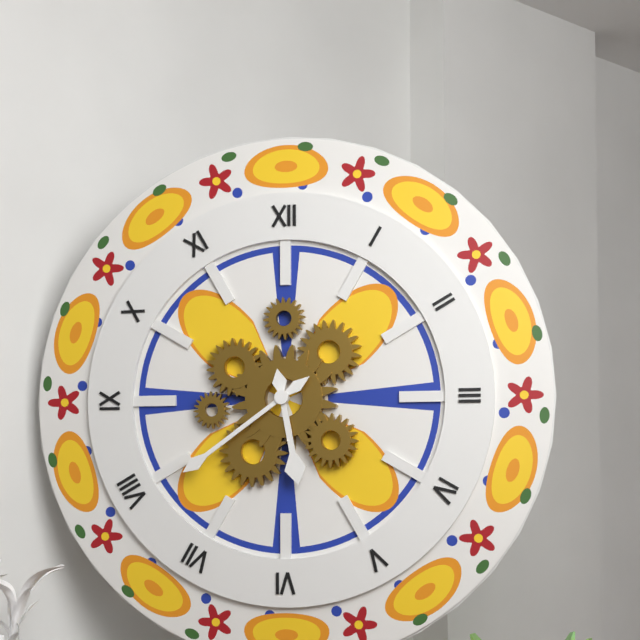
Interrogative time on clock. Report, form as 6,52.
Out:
5,39
